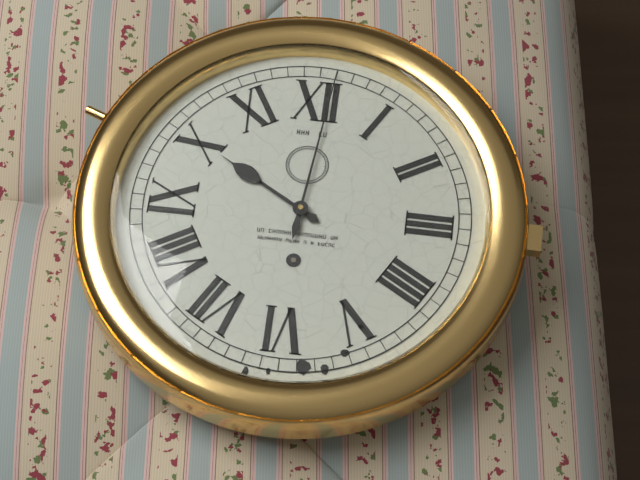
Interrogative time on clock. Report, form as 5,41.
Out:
10,01
